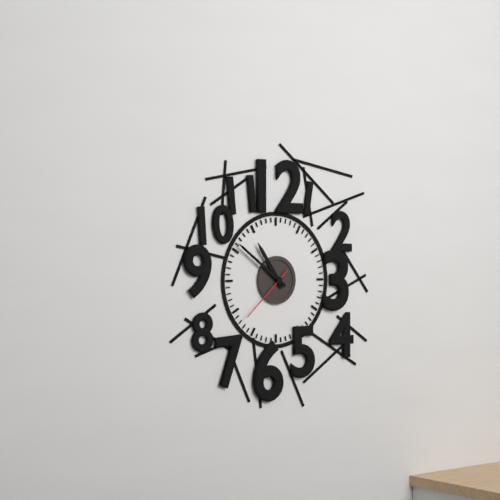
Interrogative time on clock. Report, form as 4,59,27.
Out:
10,51,38
